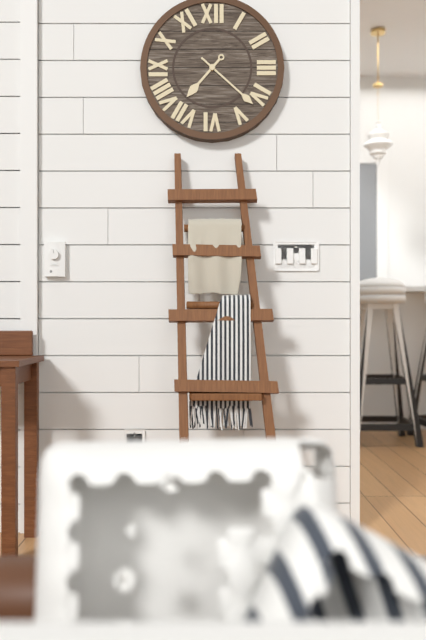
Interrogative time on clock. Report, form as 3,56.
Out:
7,22
